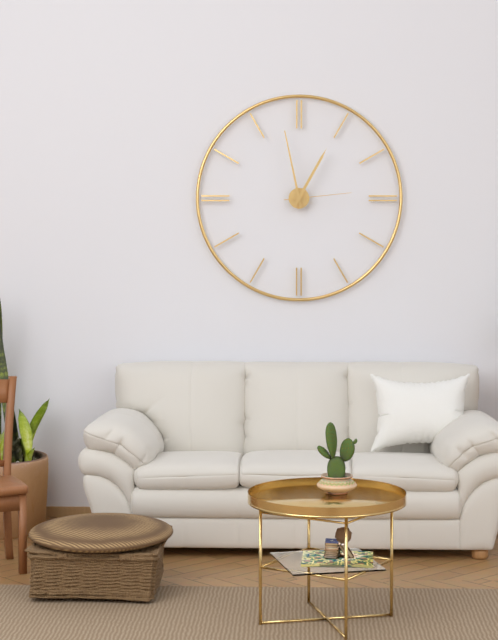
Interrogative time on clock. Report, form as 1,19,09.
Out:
12,58,14
